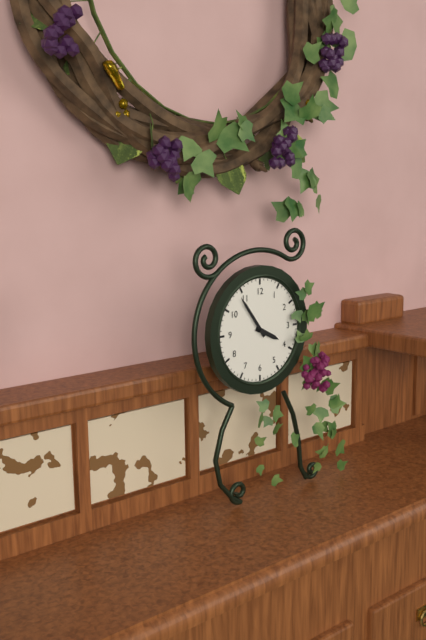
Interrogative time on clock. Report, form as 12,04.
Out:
3,54
